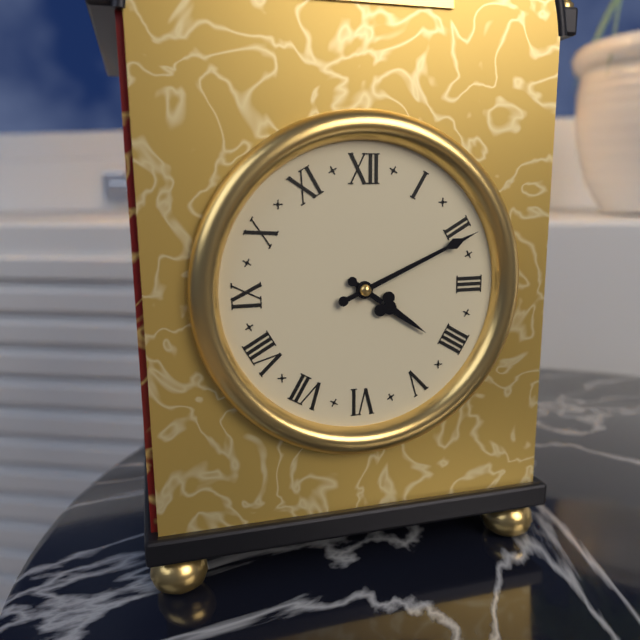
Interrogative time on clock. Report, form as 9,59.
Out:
4,11
